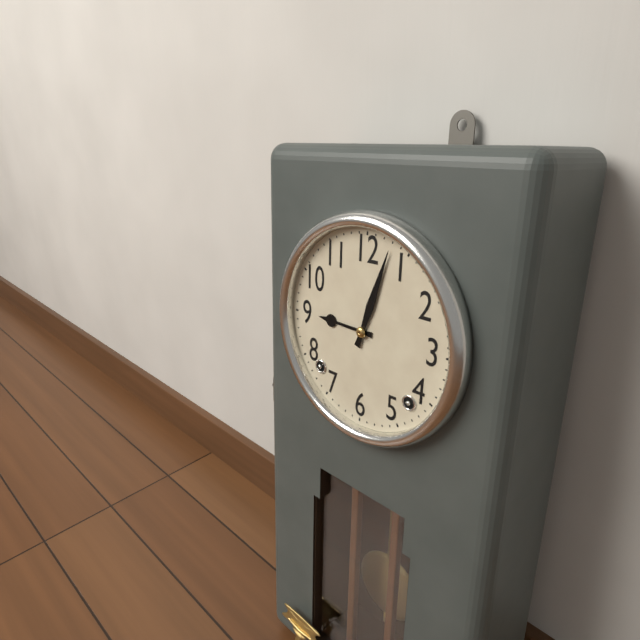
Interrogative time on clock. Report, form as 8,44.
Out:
9,03
